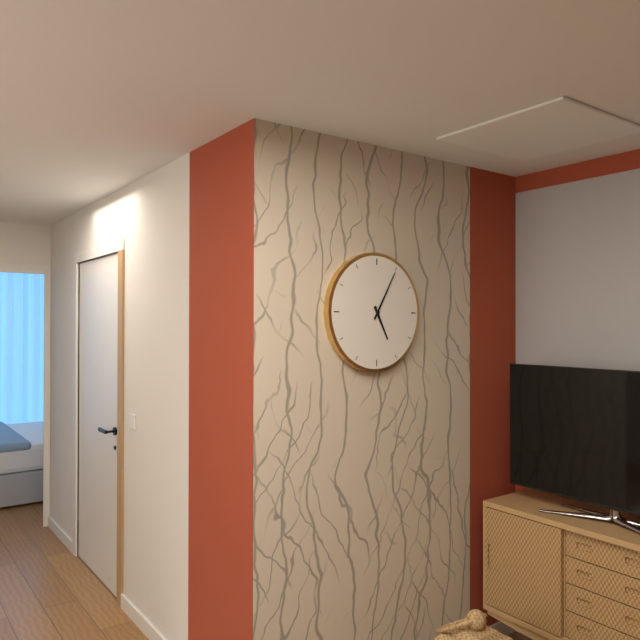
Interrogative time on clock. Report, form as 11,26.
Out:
5,05
